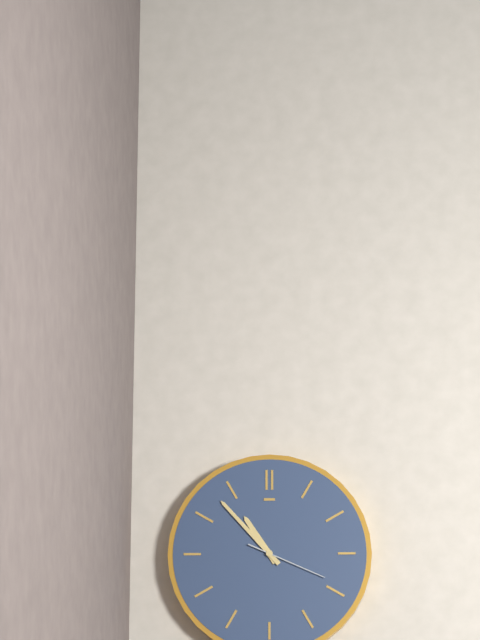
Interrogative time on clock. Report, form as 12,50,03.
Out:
10,53,19
